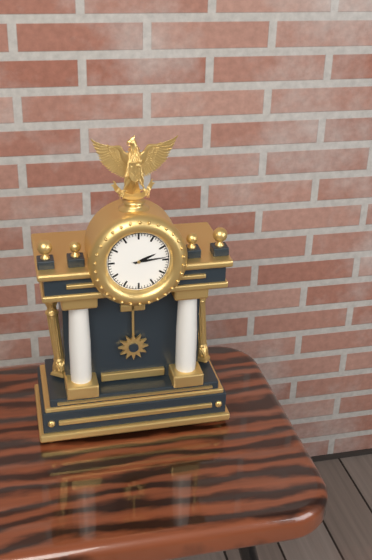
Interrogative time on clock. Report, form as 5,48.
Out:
2,14
